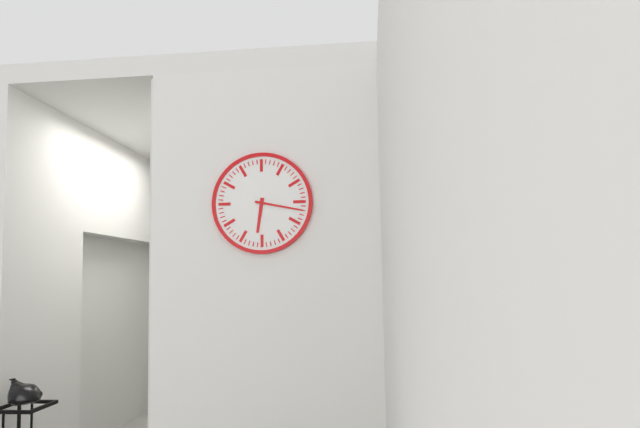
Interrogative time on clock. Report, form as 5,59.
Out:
6,17
